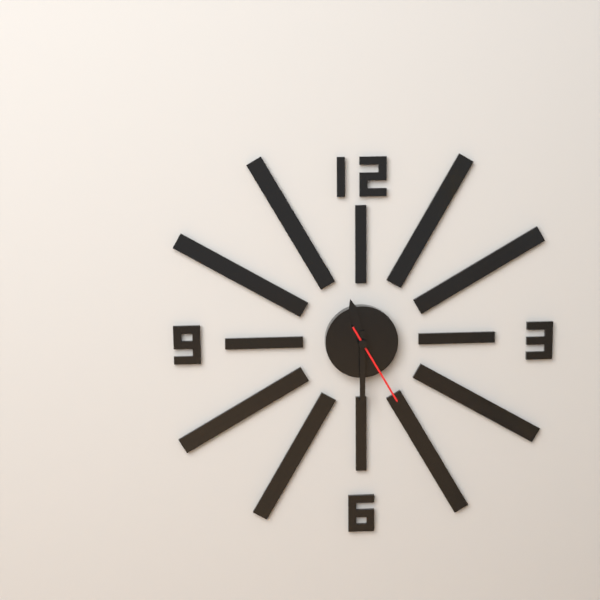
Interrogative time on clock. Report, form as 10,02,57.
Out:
11,30,25
